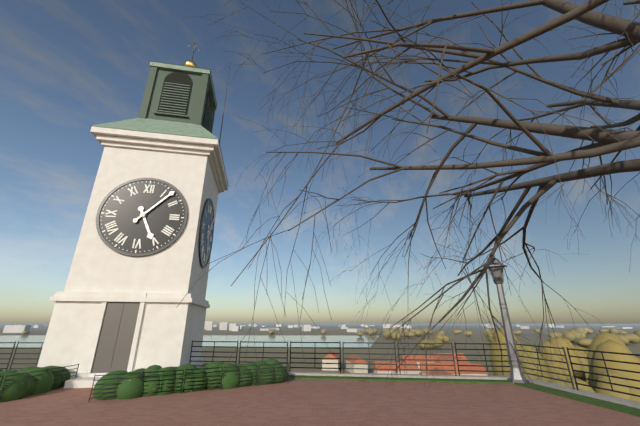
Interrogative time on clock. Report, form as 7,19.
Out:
5,07
